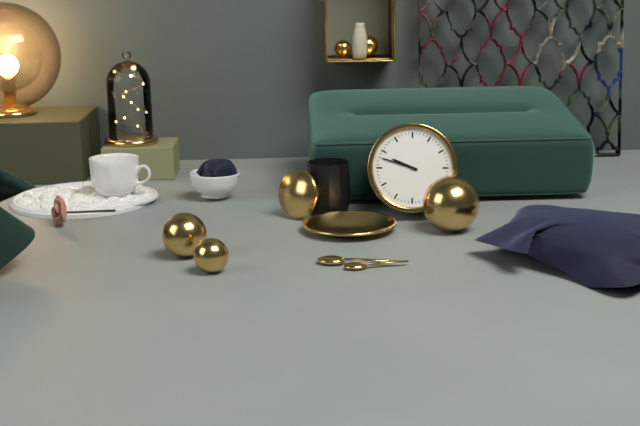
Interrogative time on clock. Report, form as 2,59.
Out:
9,48
